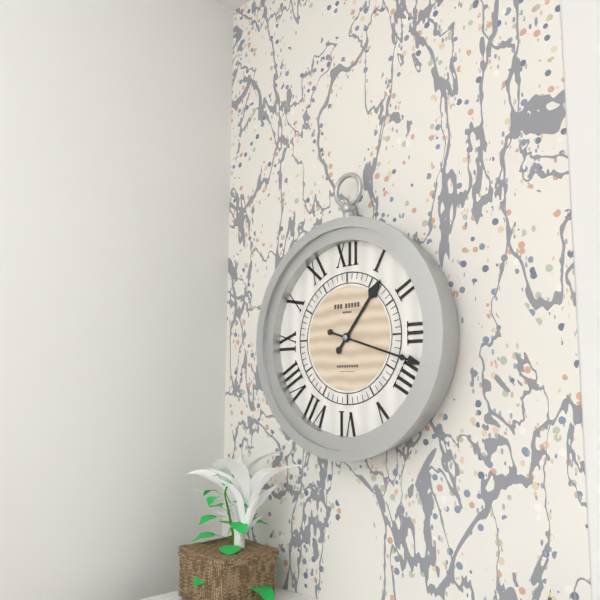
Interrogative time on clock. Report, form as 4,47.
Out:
1,18
